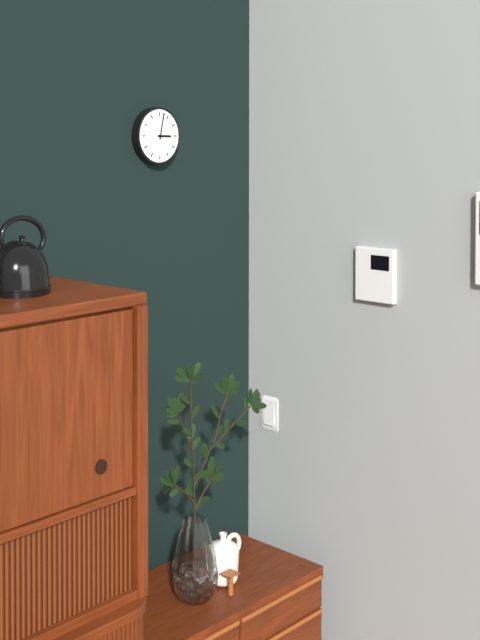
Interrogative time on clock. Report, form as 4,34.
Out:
3,02
